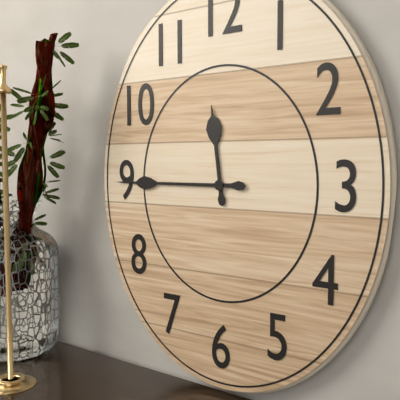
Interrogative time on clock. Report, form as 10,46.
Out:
11,45
